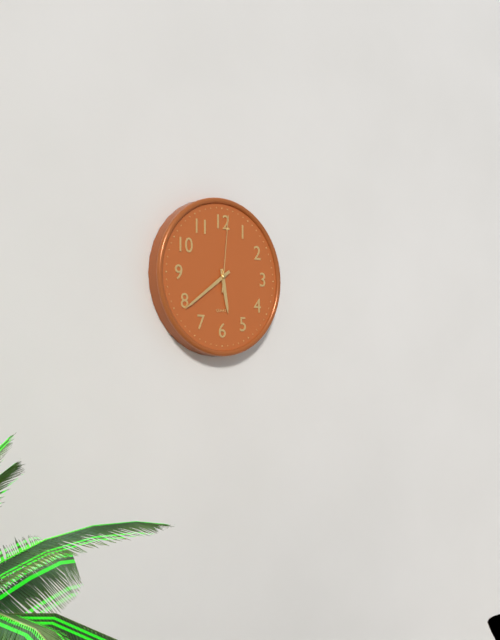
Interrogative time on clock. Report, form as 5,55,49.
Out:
5,39,01
